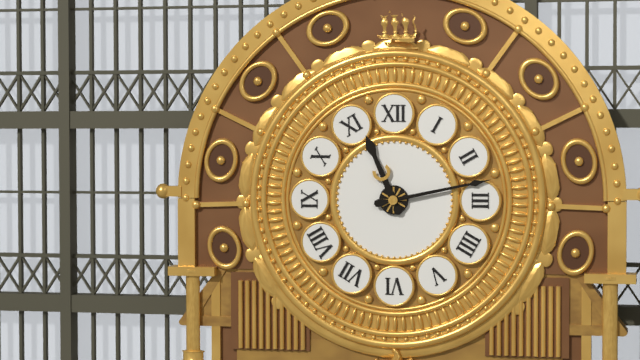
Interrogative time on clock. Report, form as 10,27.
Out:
11,13
